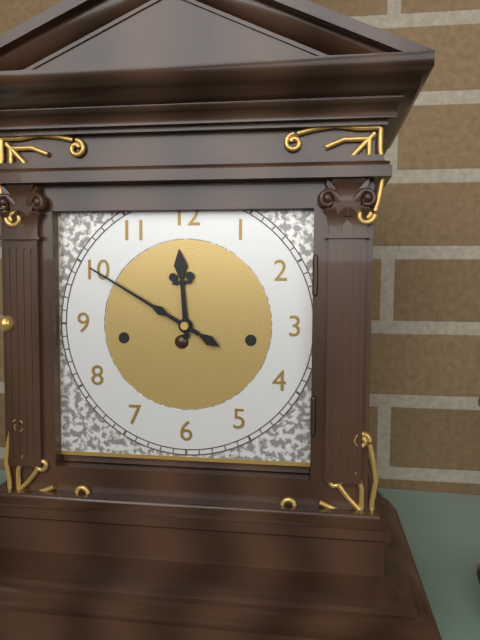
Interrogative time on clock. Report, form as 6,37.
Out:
11,50
